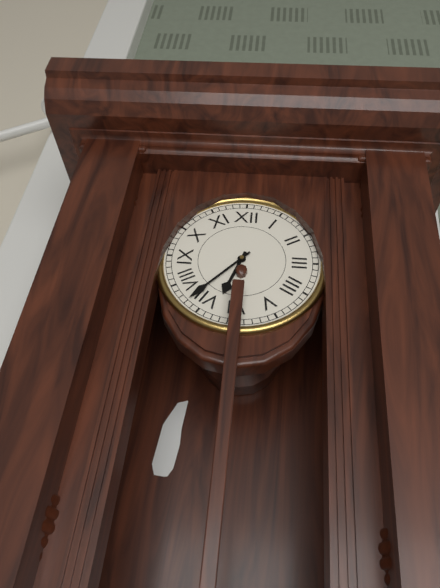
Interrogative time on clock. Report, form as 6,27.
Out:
6,37
